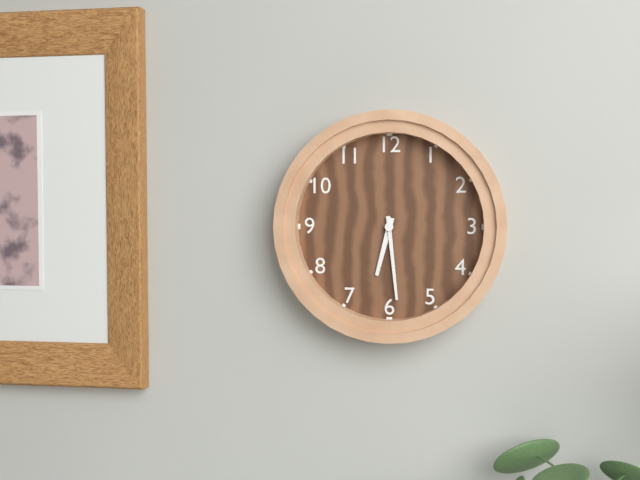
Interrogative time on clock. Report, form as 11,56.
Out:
6,29
